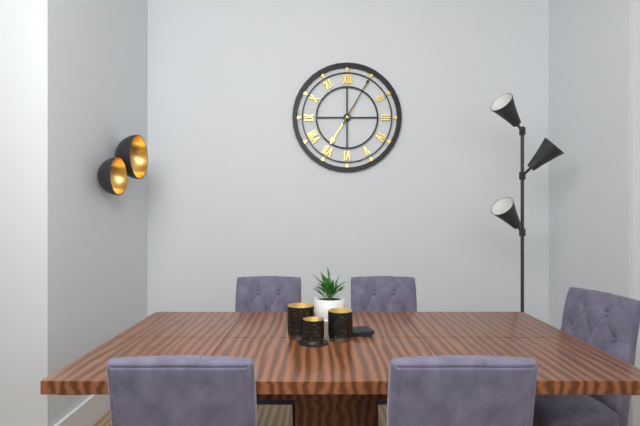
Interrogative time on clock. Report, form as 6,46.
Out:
7,05
